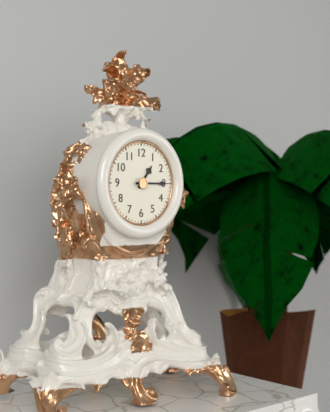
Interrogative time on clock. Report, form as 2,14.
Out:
1,15
